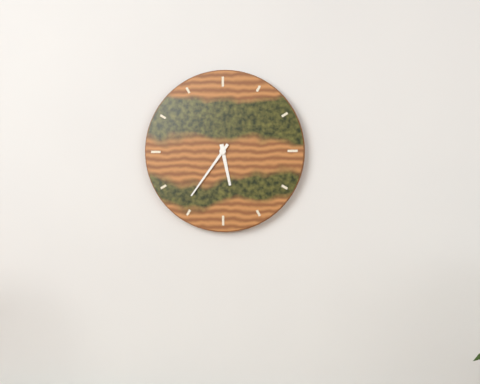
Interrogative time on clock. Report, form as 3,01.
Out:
5,36
